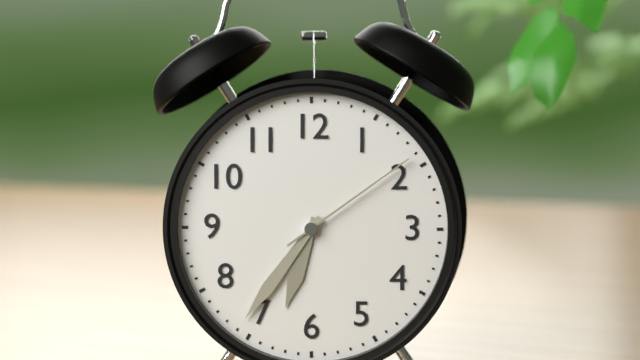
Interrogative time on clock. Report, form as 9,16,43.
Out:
6,36,09
